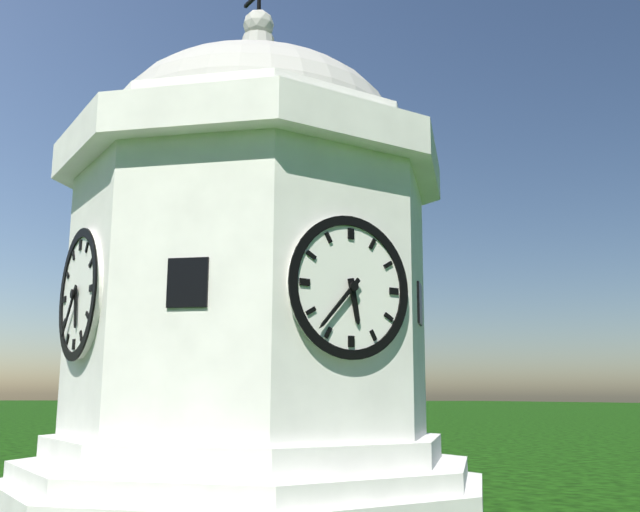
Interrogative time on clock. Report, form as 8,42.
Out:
5,37
